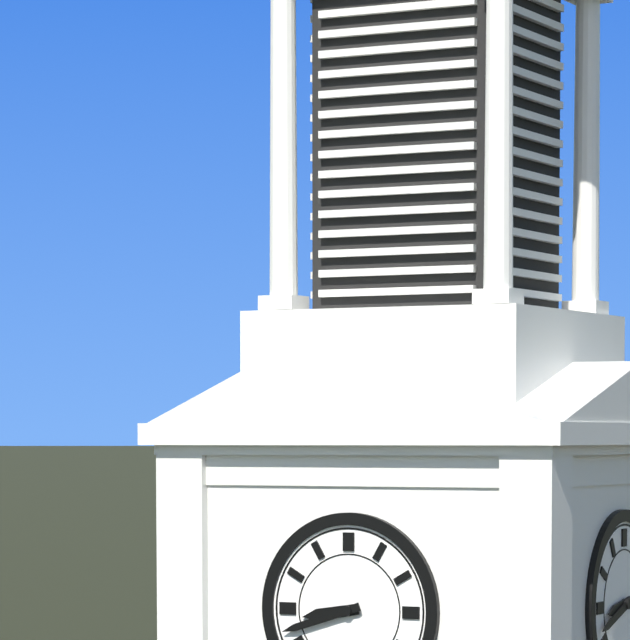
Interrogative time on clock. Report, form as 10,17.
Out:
8,42
